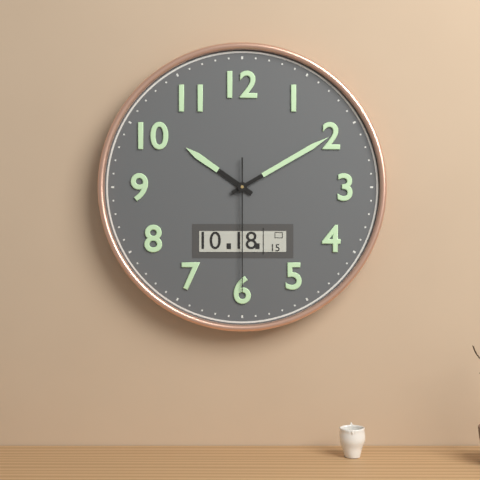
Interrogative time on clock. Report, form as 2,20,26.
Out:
10,10,30
